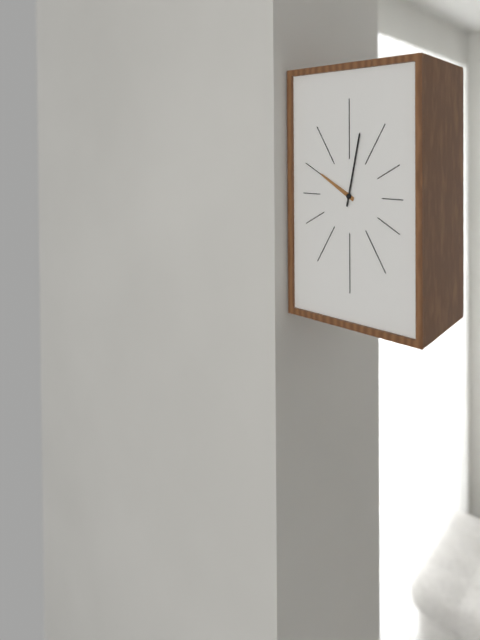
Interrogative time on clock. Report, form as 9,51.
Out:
10,02
